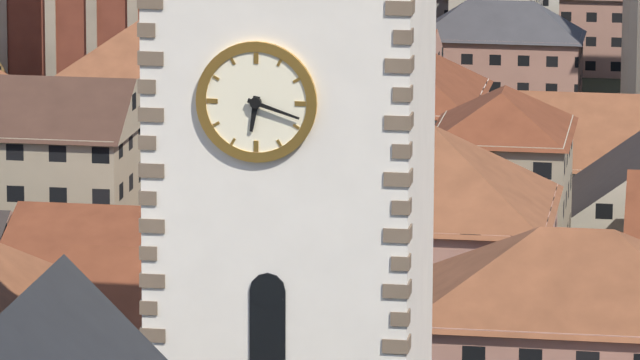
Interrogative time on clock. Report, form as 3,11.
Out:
6,18
